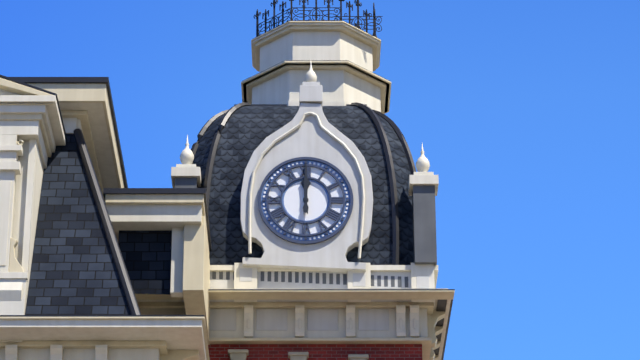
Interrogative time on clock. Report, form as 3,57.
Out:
12,00
